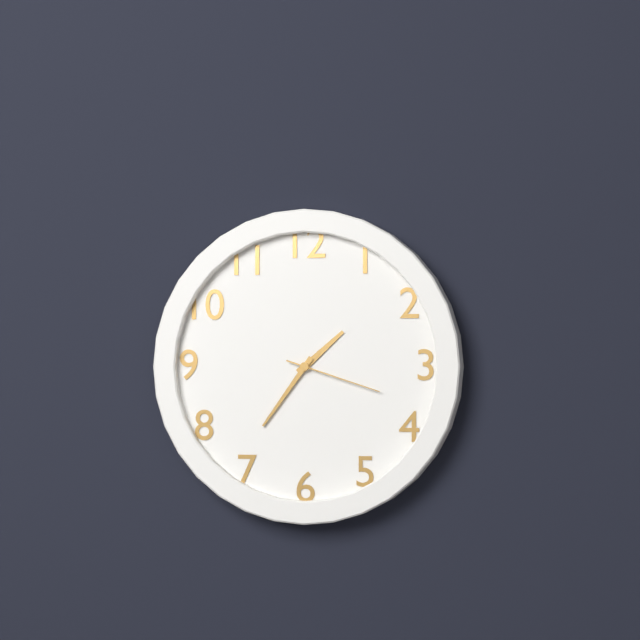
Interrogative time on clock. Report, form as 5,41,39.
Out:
1,36,18
